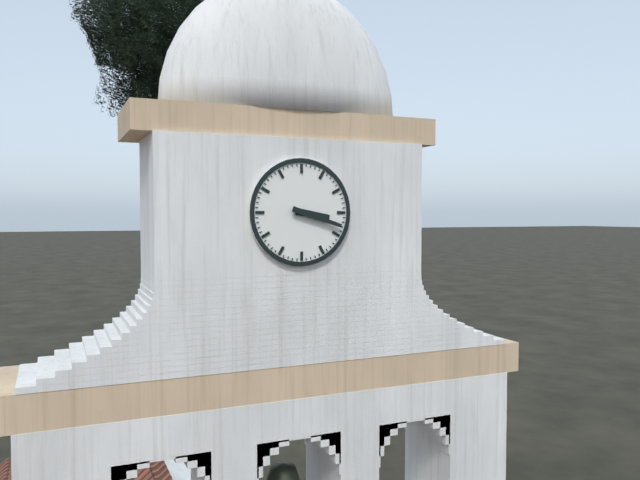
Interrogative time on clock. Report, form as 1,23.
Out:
3,18
